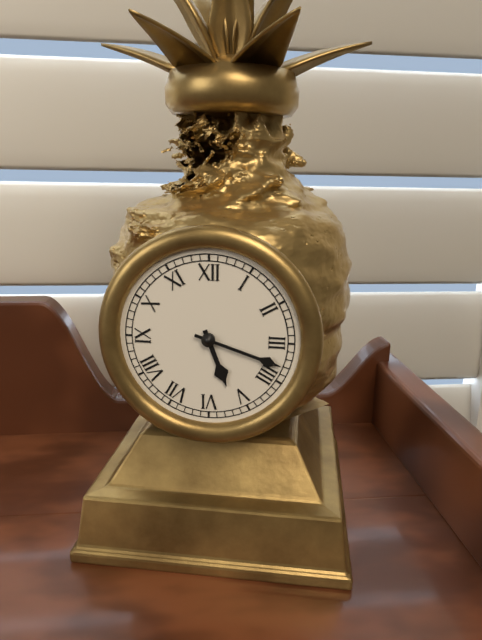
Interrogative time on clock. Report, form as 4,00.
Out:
5,18
